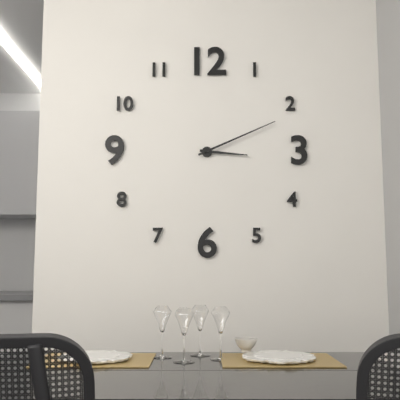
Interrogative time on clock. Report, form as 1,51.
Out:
3,11
